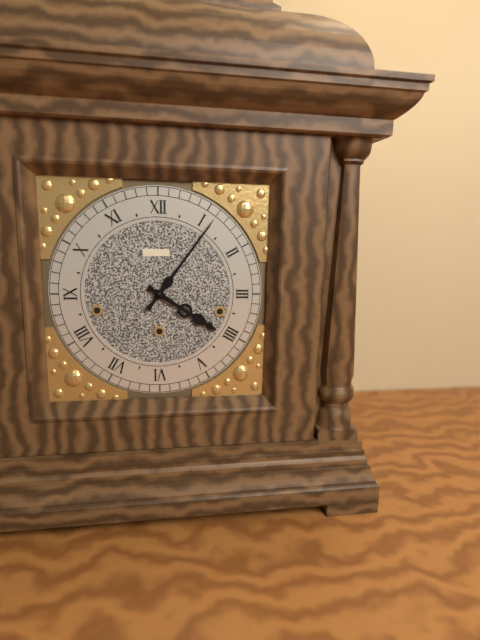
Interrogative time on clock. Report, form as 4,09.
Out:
4,06
